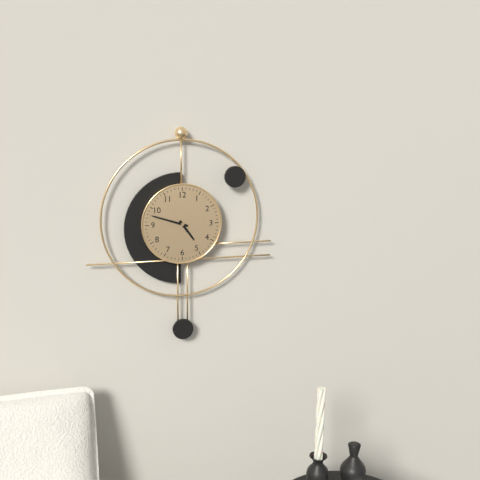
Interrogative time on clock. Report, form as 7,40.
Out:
4,48
